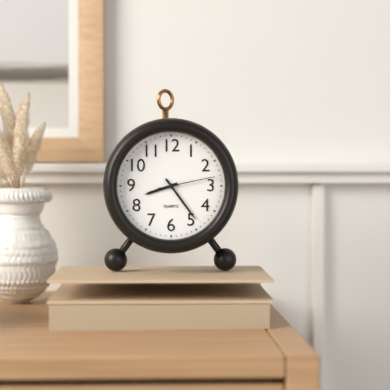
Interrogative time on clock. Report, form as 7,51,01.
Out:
8,24,13
